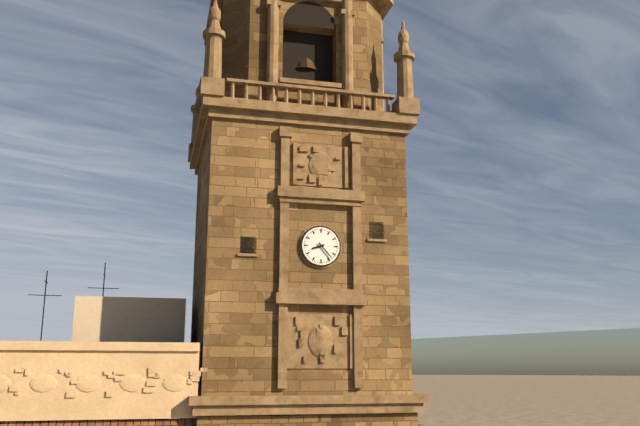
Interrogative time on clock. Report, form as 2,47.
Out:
8,23
